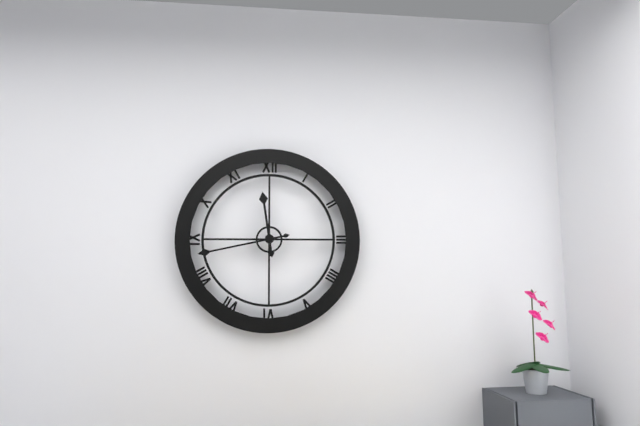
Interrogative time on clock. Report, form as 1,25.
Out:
11,43
